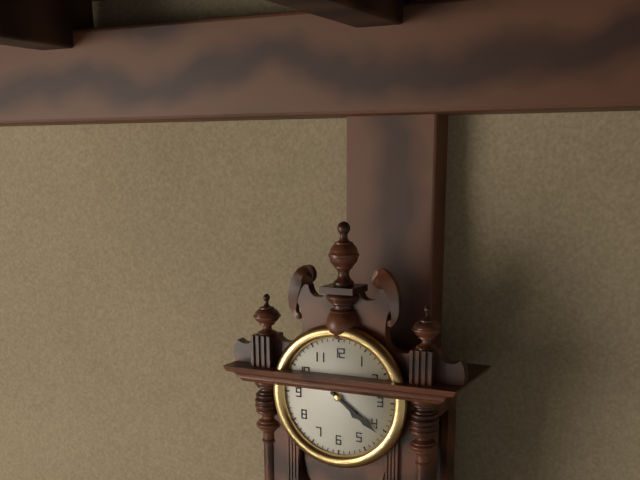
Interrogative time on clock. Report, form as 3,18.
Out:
4,21
